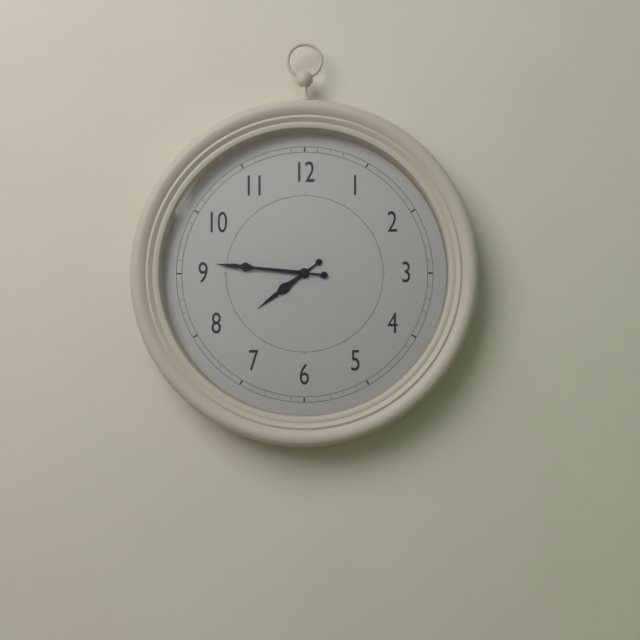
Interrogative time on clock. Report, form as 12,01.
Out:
7,46
